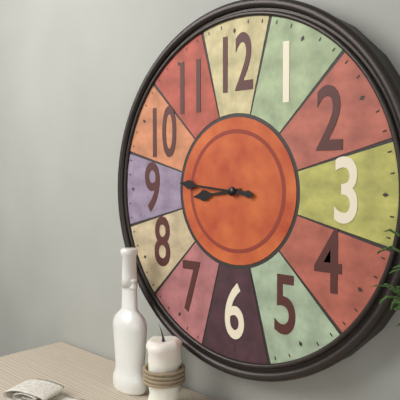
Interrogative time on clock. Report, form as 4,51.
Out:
8,46
